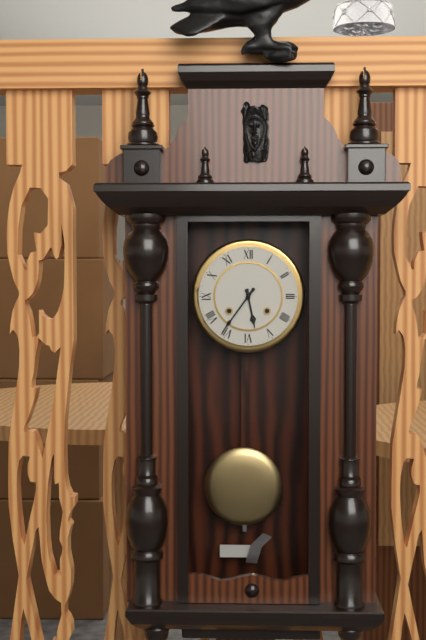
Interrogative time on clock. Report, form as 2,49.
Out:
5,36
